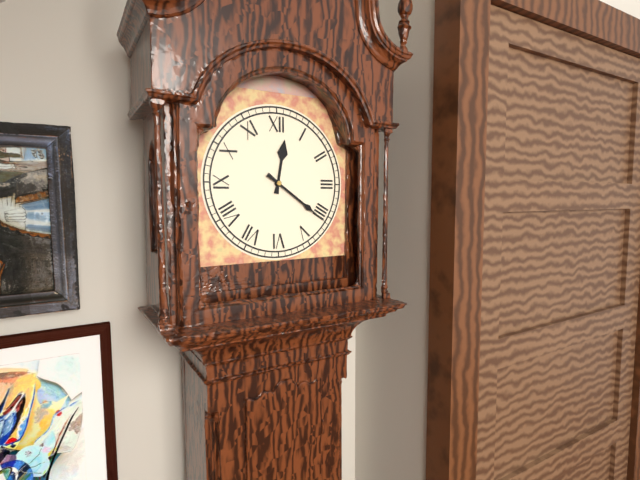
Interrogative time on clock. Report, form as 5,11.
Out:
12,21
